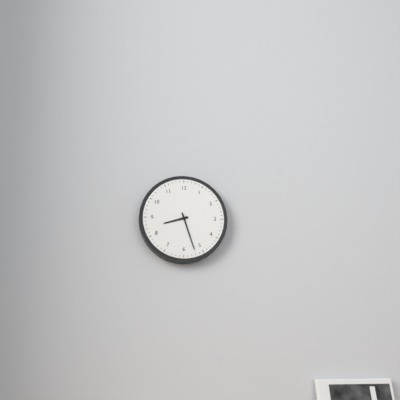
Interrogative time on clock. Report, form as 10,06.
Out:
8,27
